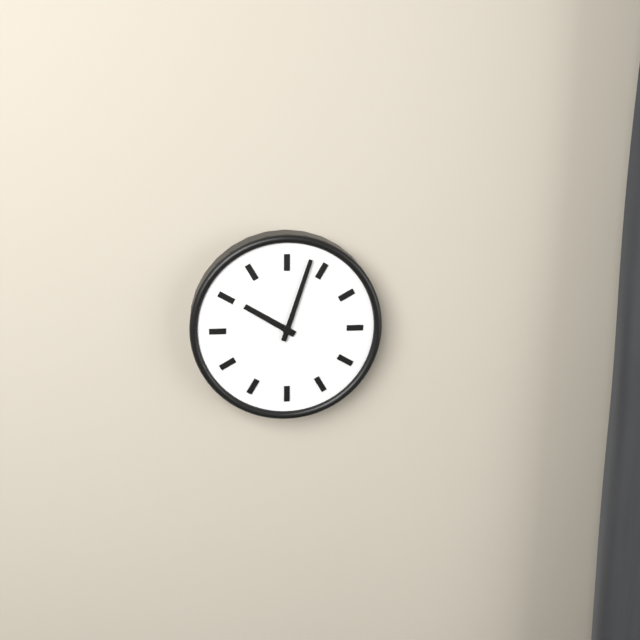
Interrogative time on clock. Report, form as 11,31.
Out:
10,03
